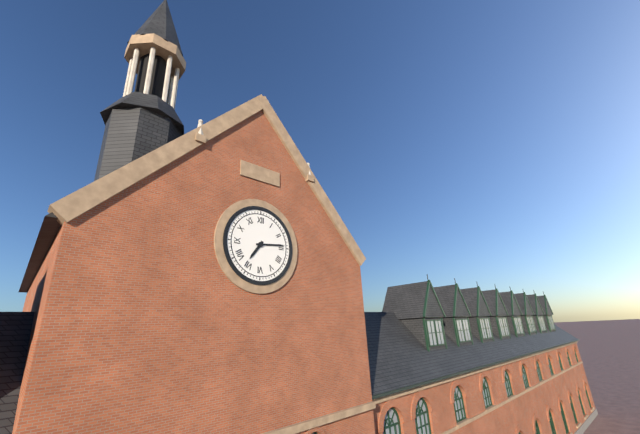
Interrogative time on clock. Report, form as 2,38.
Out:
7,14
